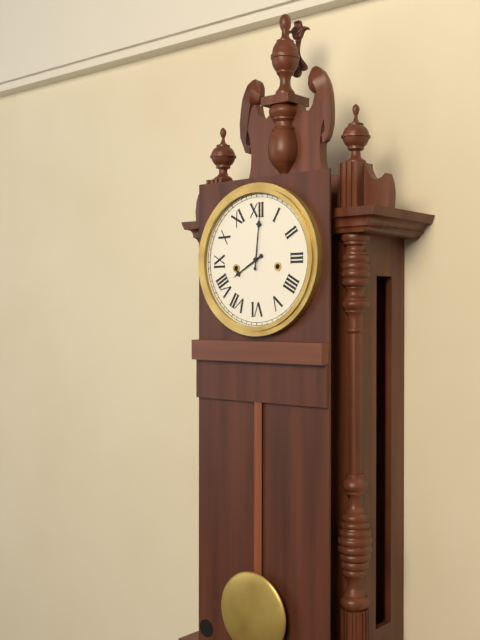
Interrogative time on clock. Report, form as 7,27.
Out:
8,01
